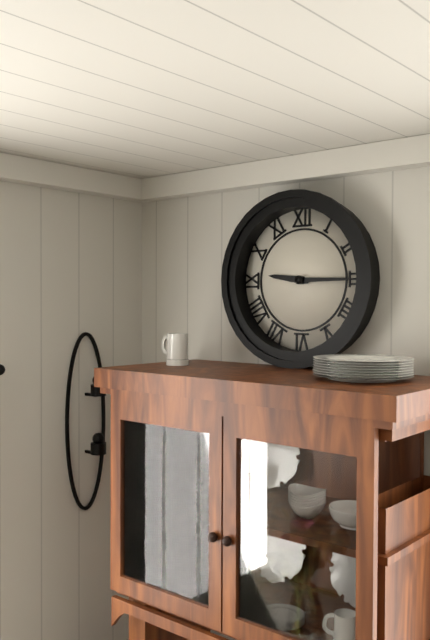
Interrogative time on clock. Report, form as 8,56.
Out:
9,15
